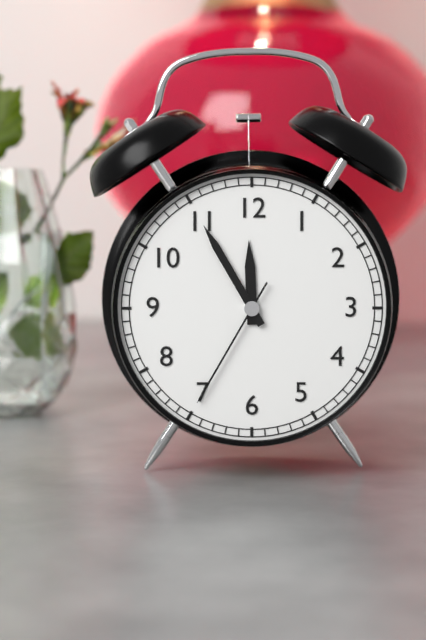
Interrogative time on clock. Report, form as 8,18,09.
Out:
11,55,35
